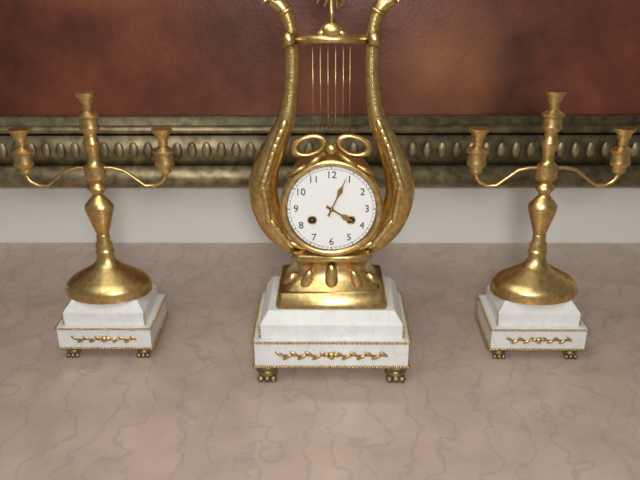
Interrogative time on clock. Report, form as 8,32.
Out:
4,04
